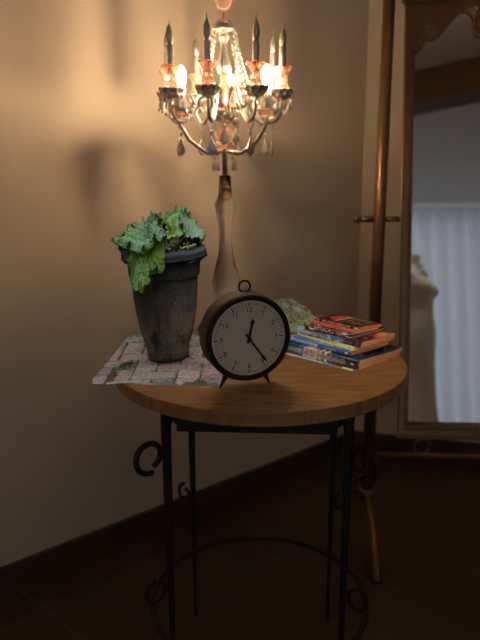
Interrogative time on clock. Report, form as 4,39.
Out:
12,24
